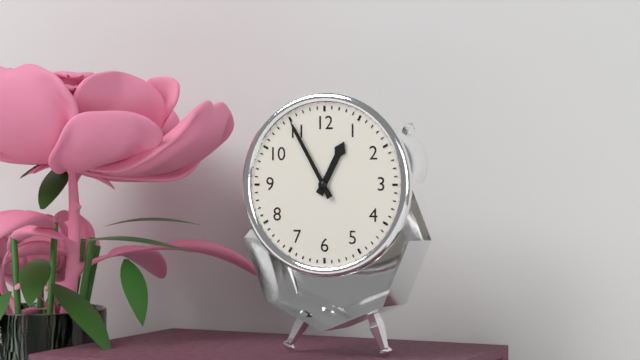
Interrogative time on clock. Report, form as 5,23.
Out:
12,55
